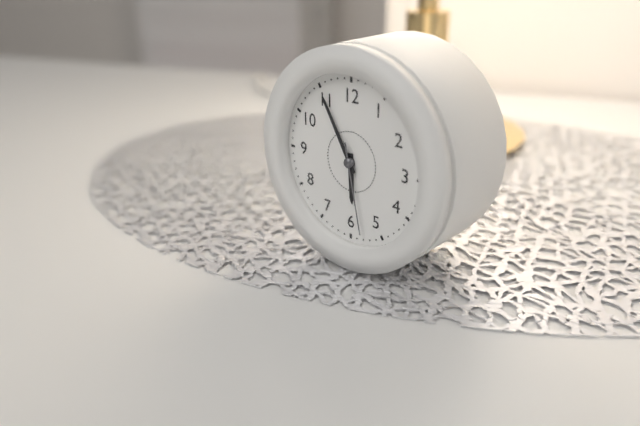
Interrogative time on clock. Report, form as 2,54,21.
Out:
5,55,28
